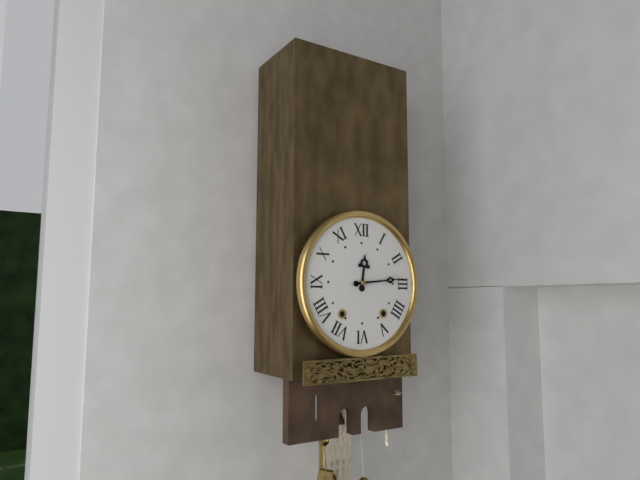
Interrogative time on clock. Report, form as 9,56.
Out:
12,14
